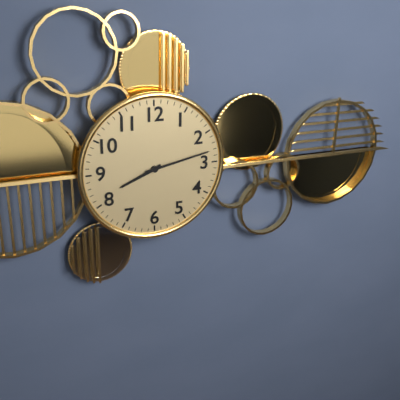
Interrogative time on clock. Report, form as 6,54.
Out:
8,13
